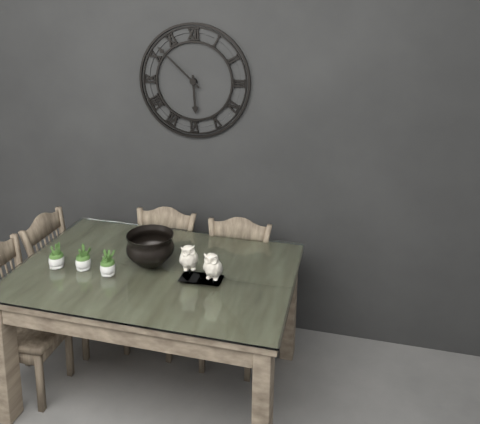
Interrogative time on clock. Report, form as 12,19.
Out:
5,52
